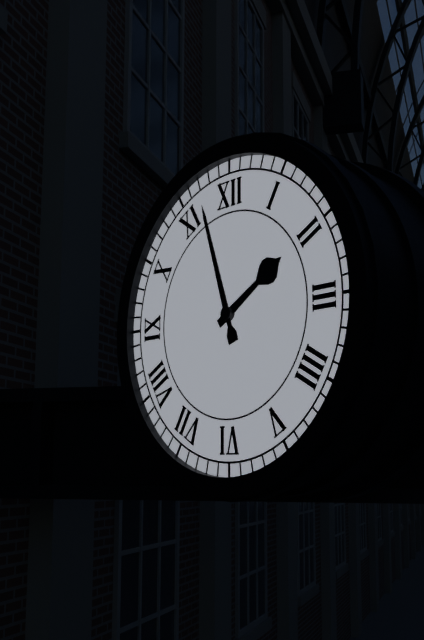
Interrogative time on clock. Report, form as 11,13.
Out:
1,57
